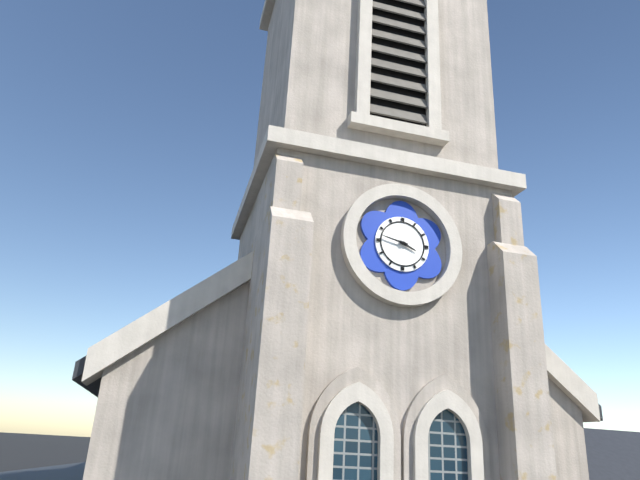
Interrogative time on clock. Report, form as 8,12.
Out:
3,47
